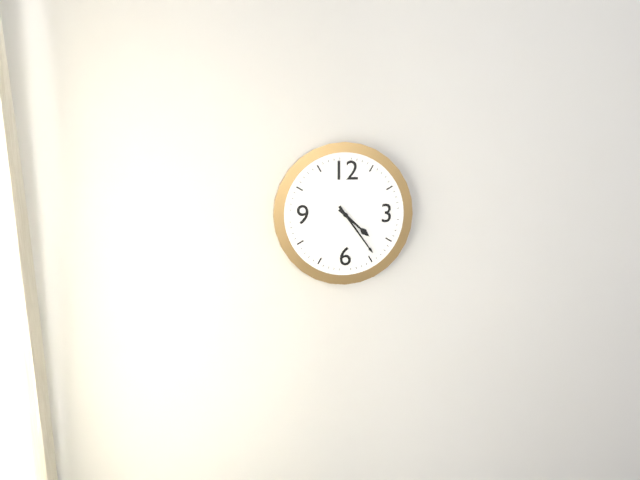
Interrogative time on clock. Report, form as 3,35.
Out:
4,24
